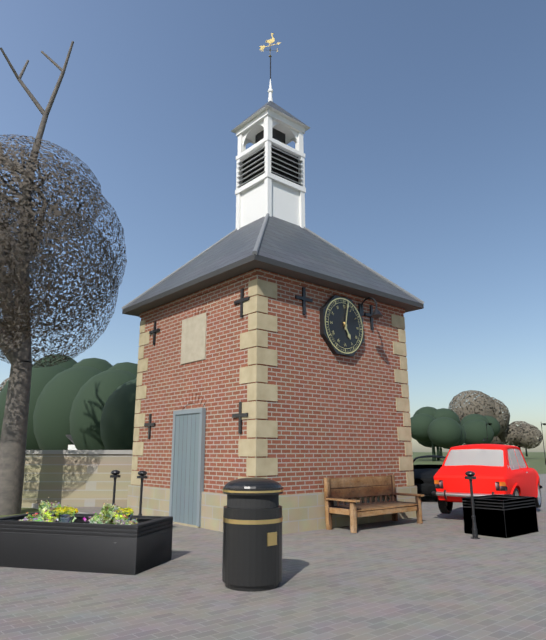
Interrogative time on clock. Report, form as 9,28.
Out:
5,02
